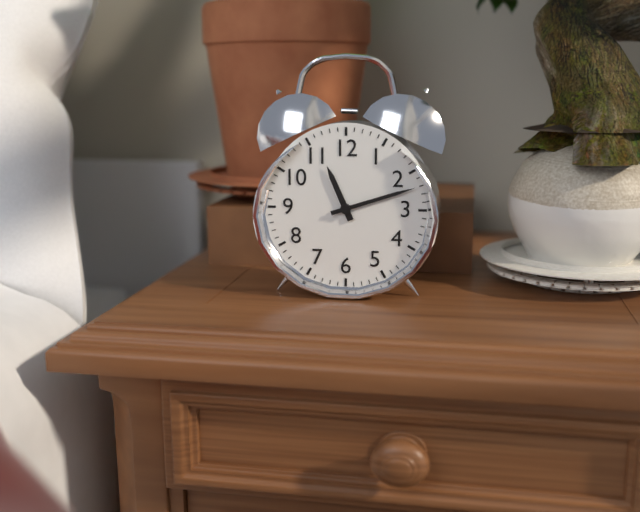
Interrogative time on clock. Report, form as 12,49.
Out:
11,12
